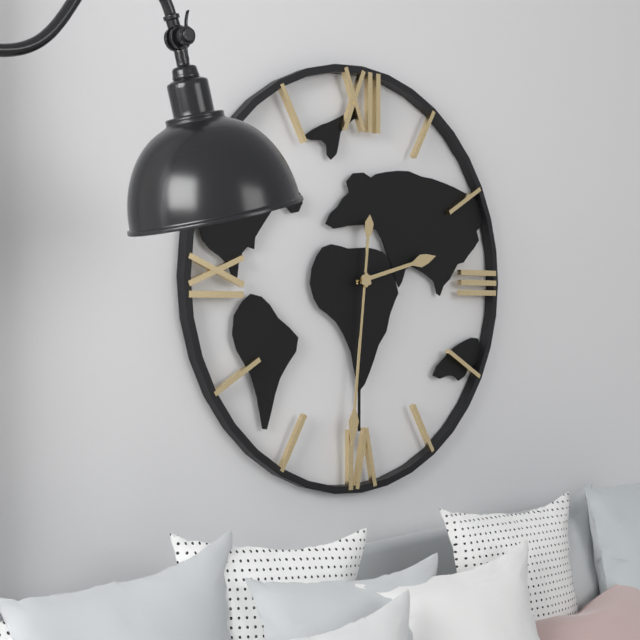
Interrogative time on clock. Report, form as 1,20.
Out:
2,31
